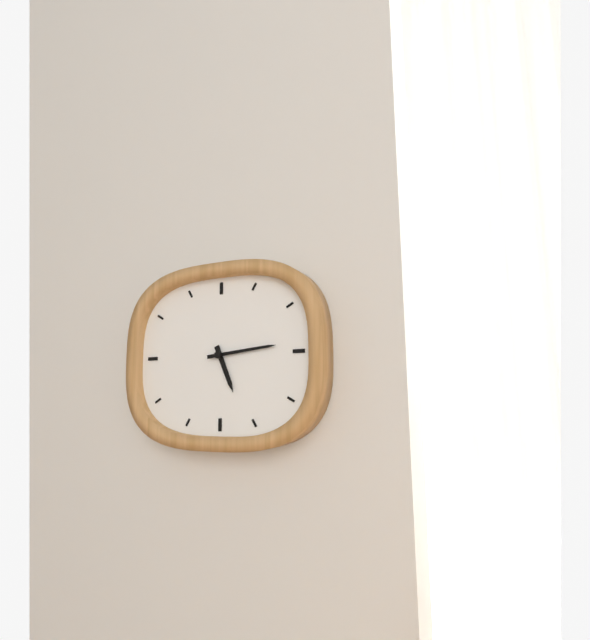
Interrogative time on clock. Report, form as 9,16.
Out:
5,14
